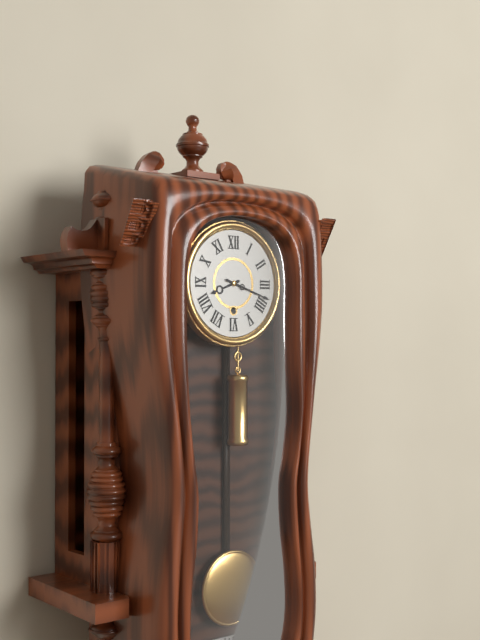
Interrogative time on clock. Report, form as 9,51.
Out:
8,18
